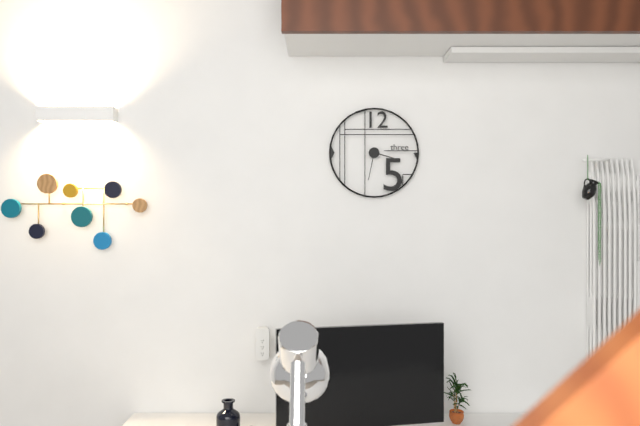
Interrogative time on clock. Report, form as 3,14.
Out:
3,32
